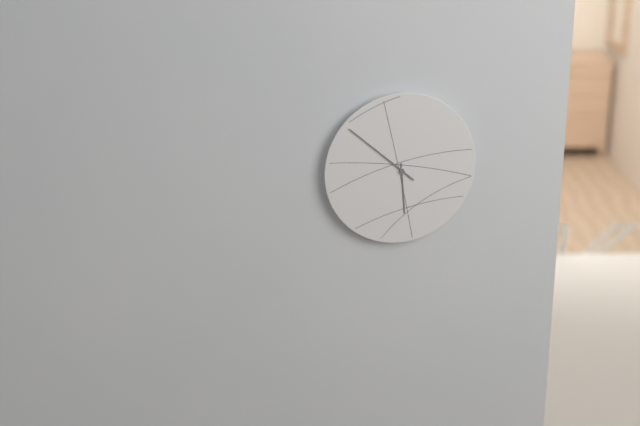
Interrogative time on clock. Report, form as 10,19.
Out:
5,52
